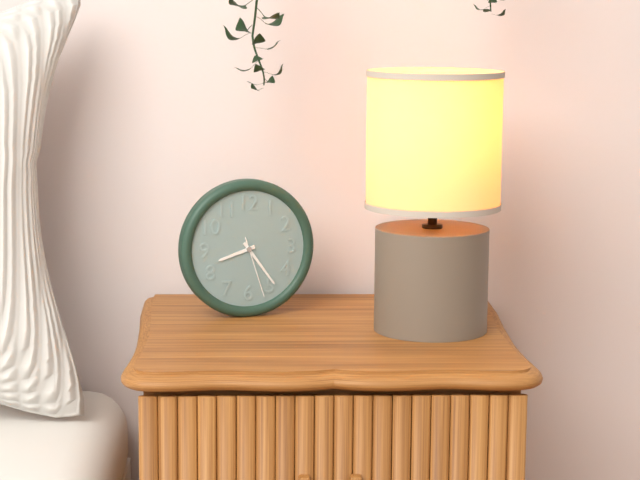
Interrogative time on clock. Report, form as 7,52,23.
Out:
8,24,27
